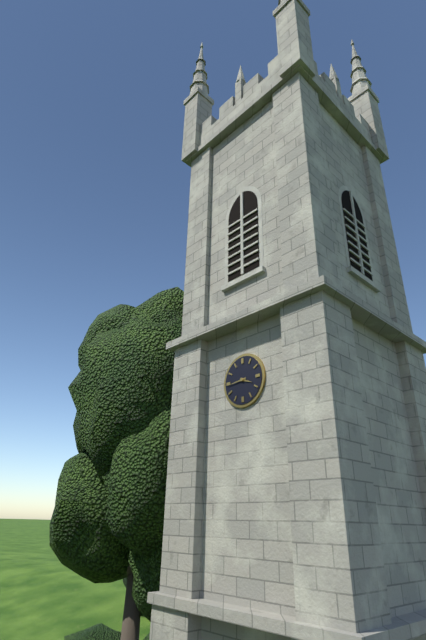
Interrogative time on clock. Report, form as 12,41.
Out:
3,44
